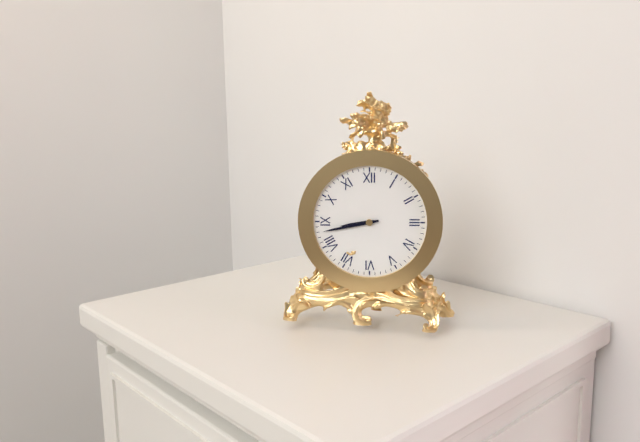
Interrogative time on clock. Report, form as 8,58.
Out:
8,43
